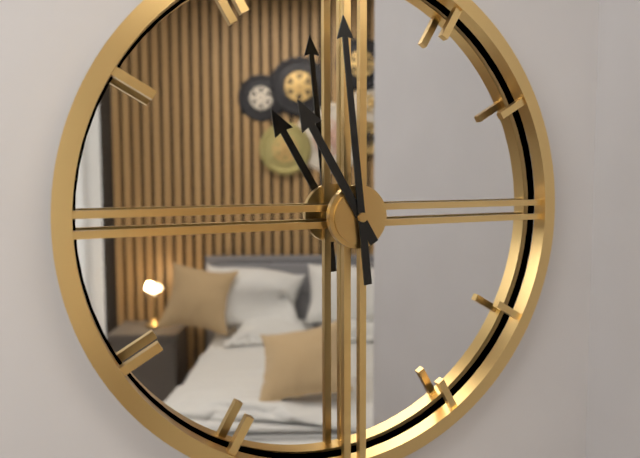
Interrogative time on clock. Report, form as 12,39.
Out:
10,59
